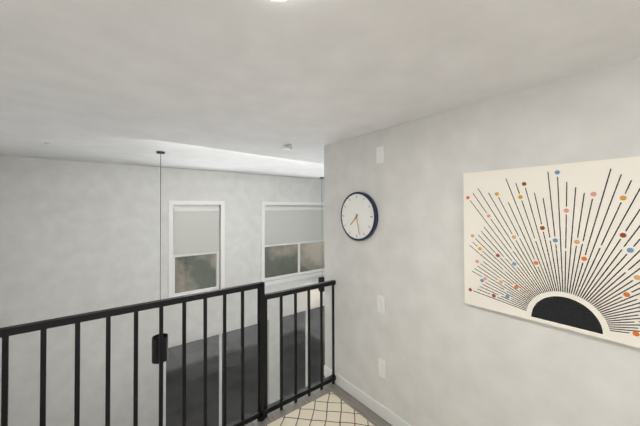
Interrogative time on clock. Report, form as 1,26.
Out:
7,28
